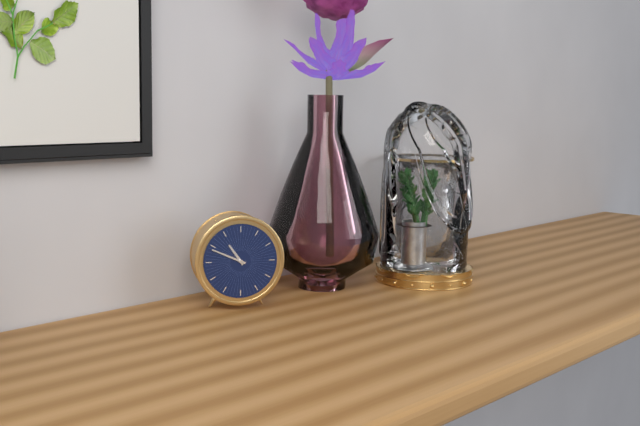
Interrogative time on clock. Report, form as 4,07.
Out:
10,49
